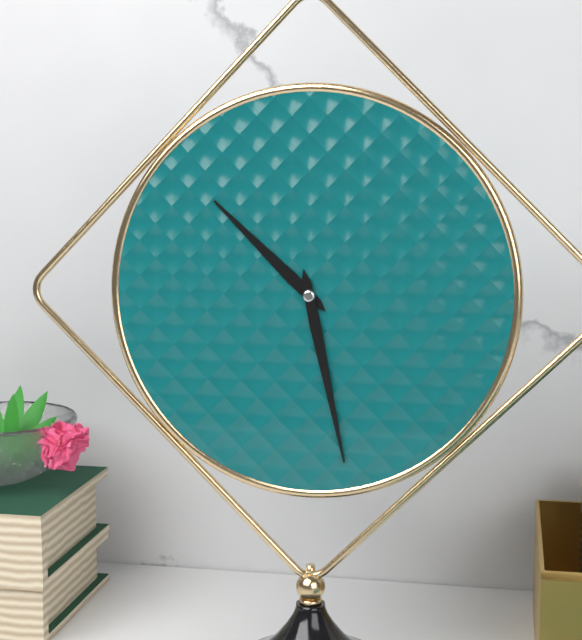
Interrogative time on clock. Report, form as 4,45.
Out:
10,28
